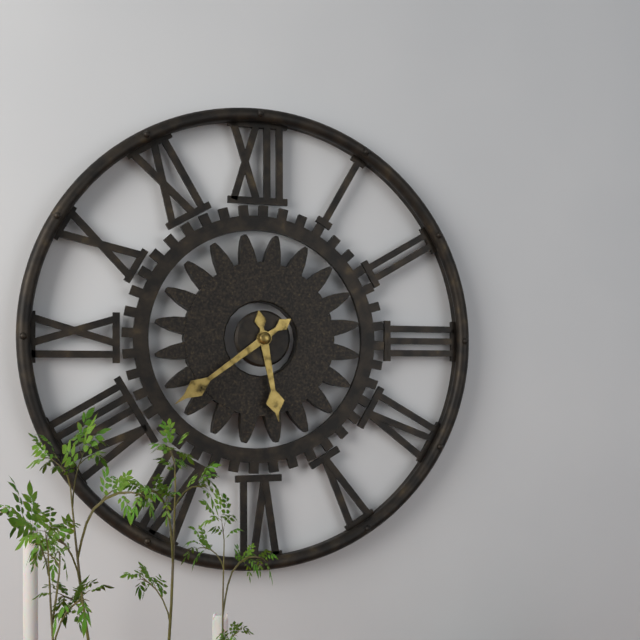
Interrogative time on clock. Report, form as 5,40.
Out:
5,39
